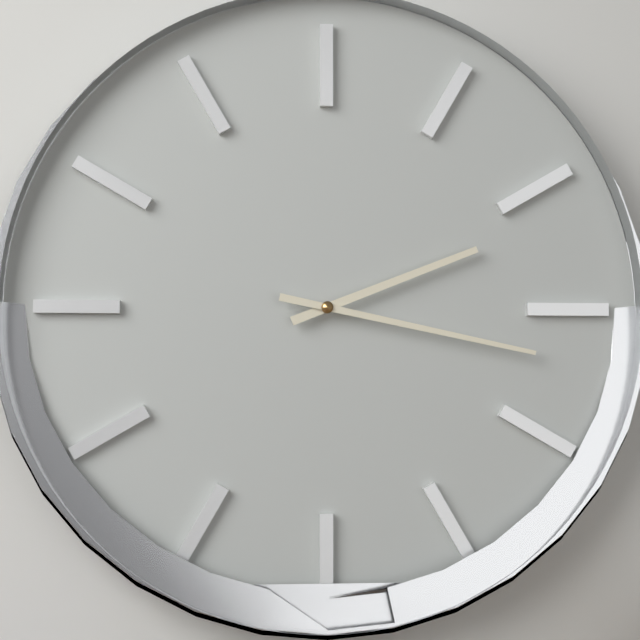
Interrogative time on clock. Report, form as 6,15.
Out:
2,17
